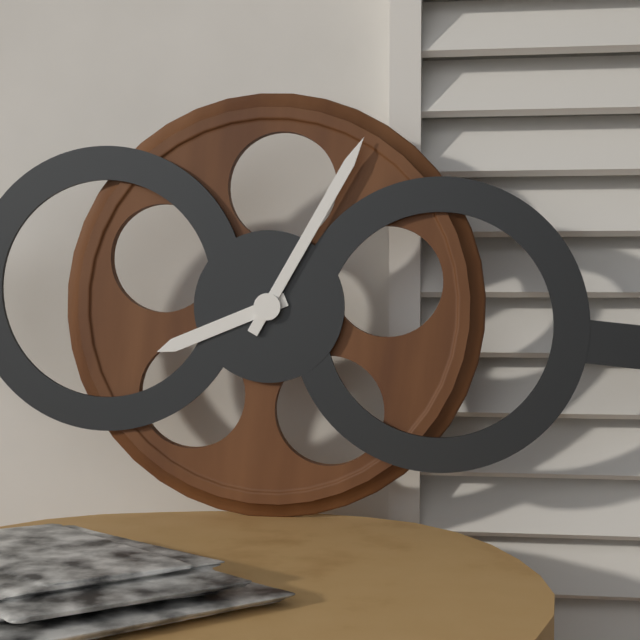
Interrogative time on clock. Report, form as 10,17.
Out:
8,04
